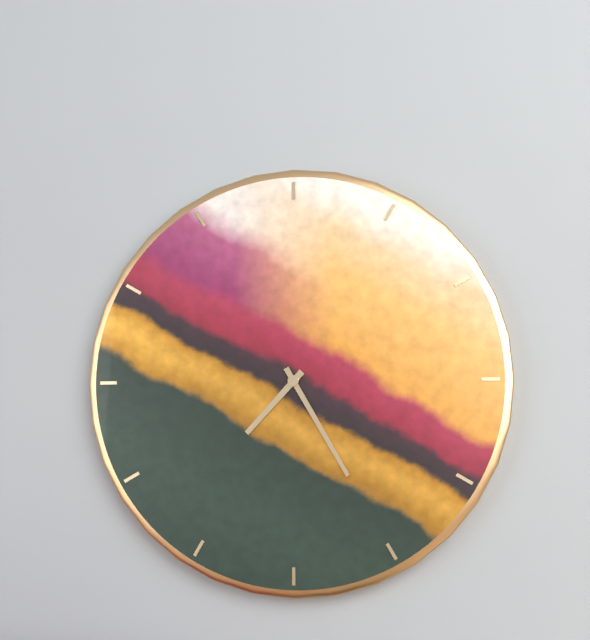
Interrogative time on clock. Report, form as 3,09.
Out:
7,25
